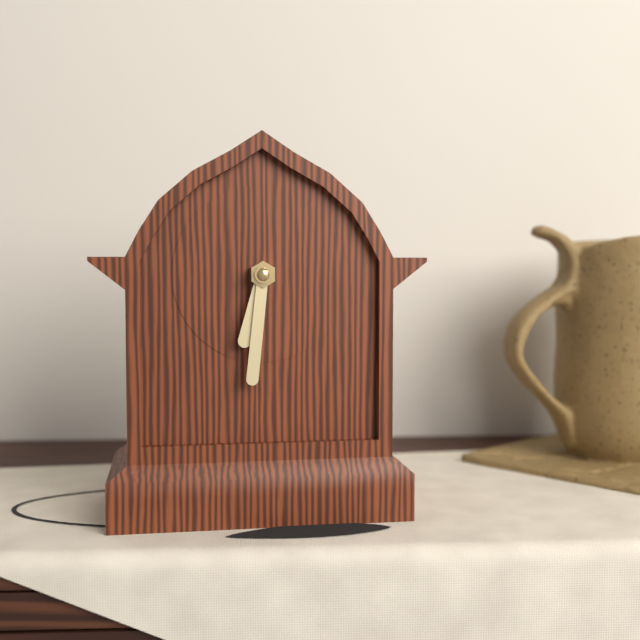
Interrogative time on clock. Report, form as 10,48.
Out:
6,31
